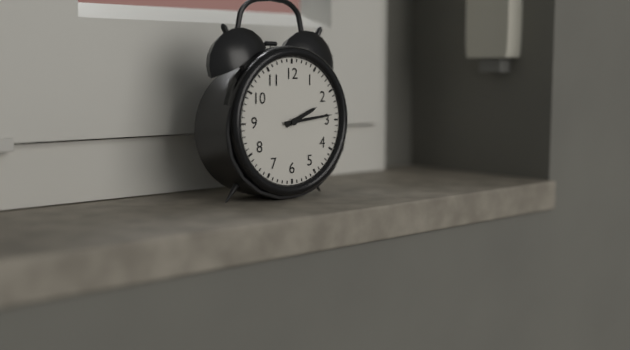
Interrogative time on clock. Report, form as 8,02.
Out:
2,14
